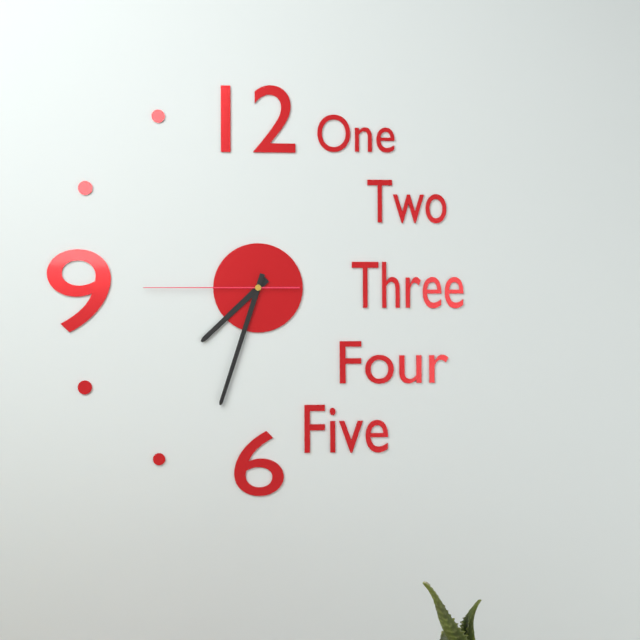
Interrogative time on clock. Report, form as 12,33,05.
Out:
7,33,45
